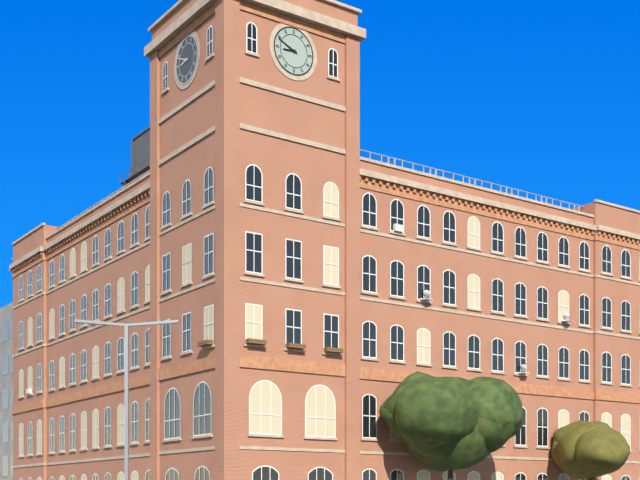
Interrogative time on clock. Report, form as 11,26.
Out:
8,49
